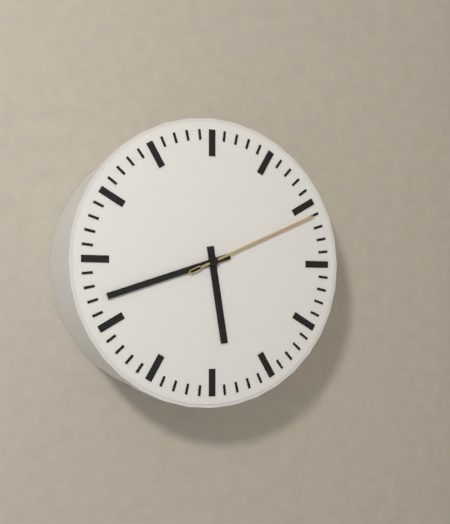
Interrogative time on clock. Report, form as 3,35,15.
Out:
5,42,11
